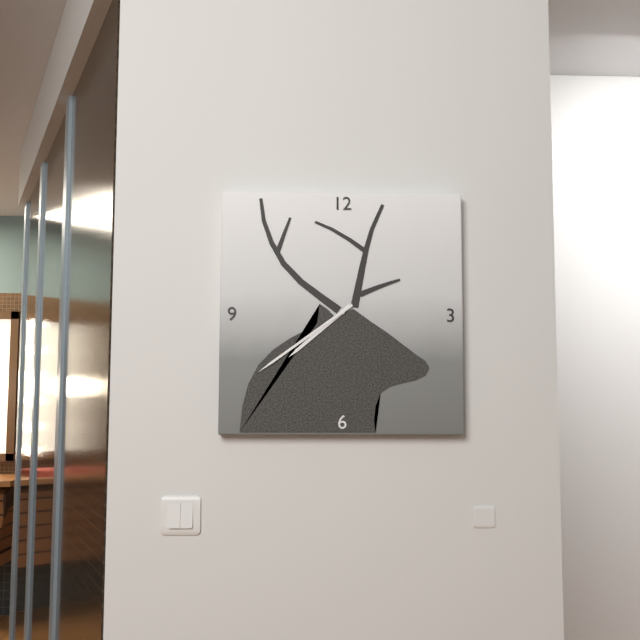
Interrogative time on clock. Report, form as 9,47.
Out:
7,39
